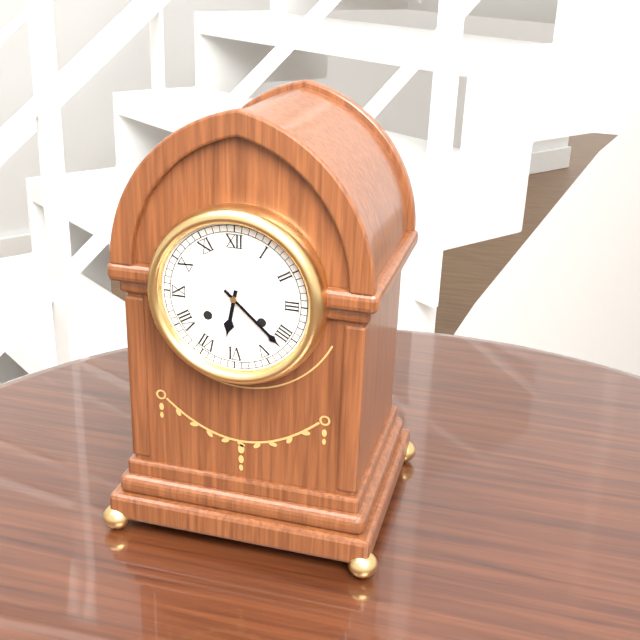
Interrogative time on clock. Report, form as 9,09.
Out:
6,22
